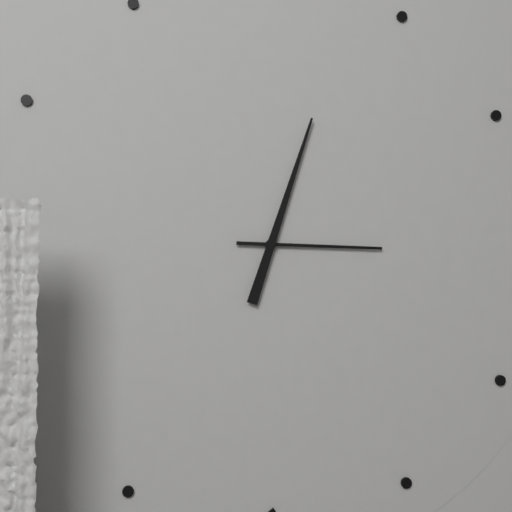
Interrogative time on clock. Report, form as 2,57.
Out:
3,03
